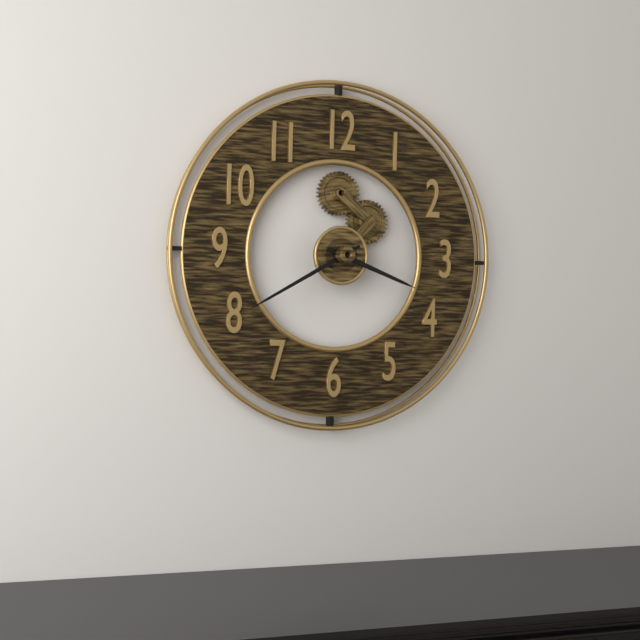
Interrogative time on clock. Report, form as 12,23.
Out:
3,40
